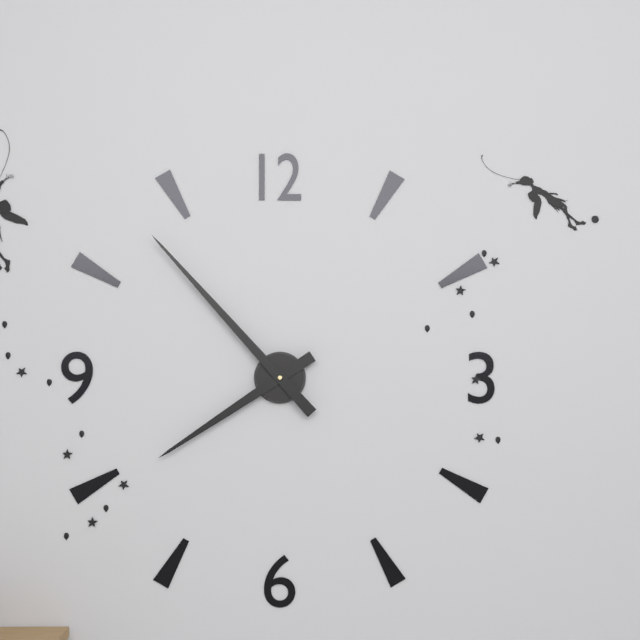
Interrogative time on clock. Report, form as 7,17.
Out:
7,53
